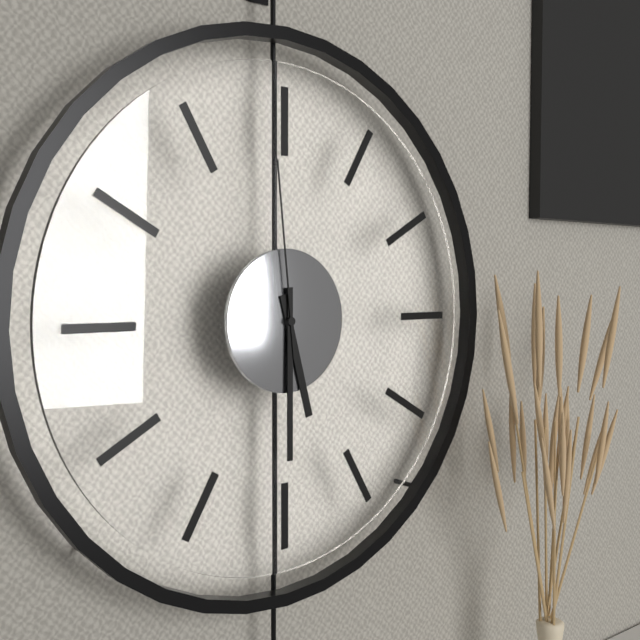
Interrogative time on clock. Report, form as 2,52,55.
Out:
5,30,59
